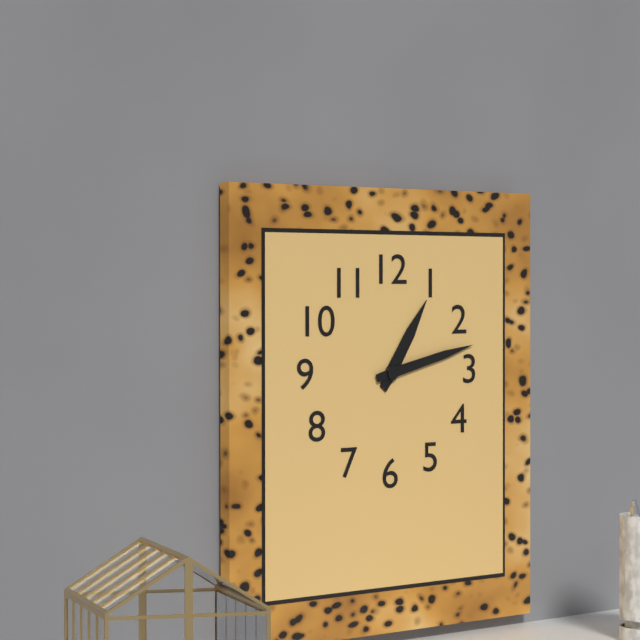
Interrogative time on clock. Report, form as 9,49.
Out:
1,13
